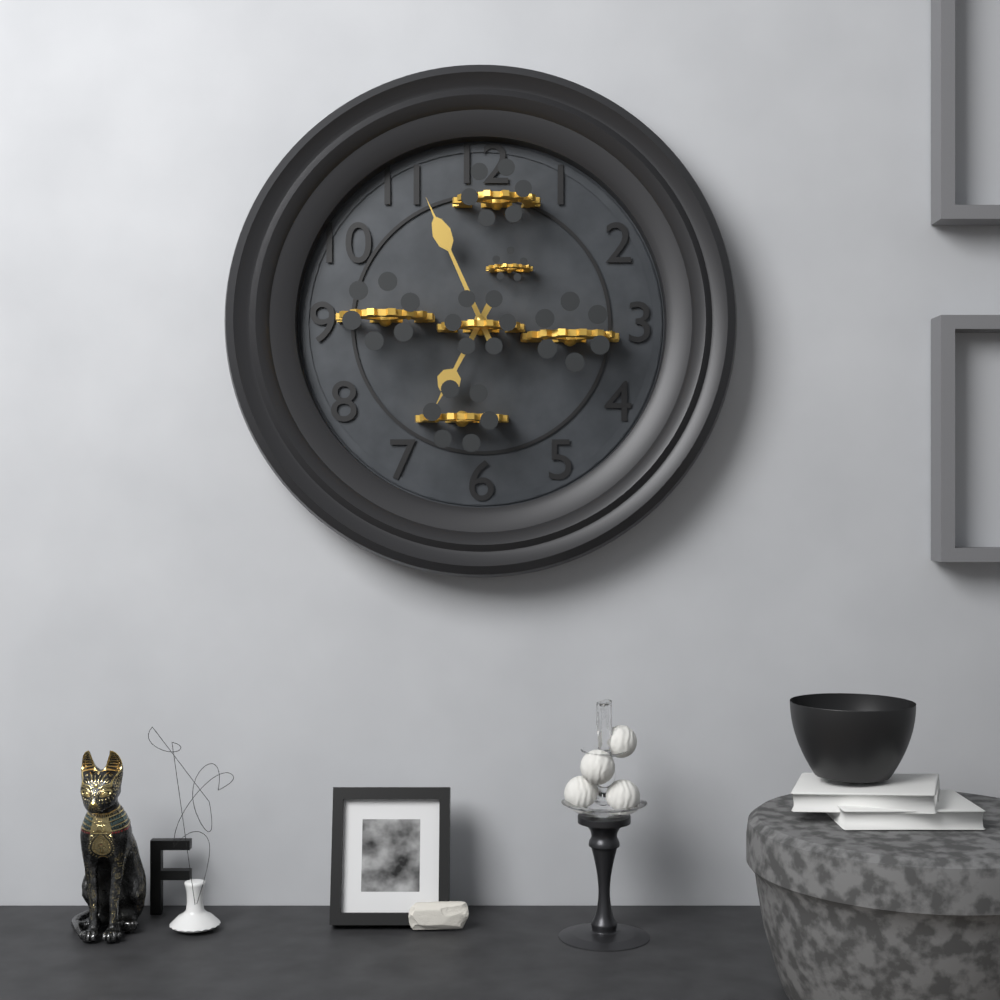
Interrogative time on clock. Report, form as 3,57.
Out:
6,56
